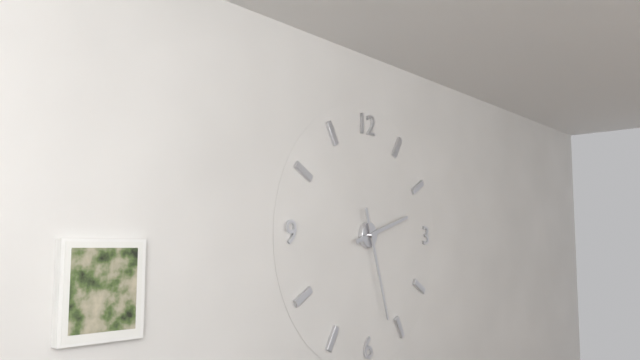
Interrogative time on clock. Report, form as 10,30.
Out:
2,27
